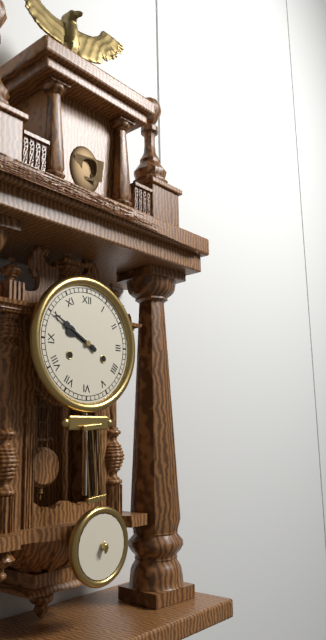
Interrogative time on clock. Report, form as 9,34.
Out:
9,50
